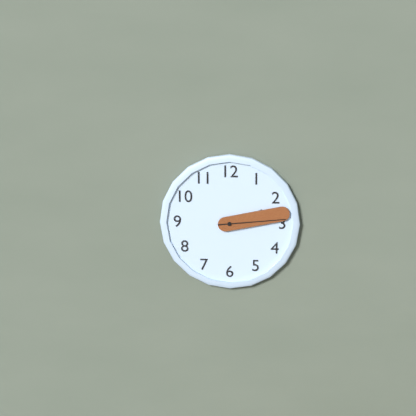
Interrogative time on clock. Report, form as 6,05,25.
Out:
2,13,14
